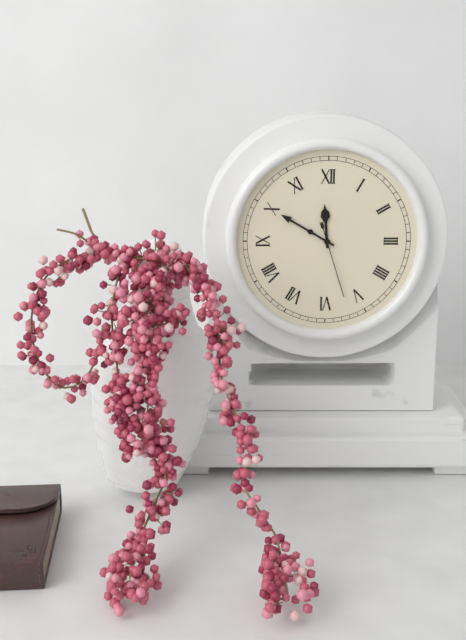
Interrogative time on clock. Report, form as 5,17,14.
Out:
11,50,27
